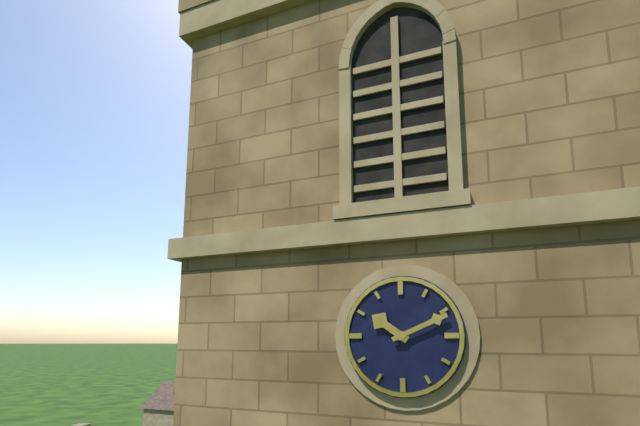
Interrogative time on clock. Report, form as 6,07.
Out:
10,11
